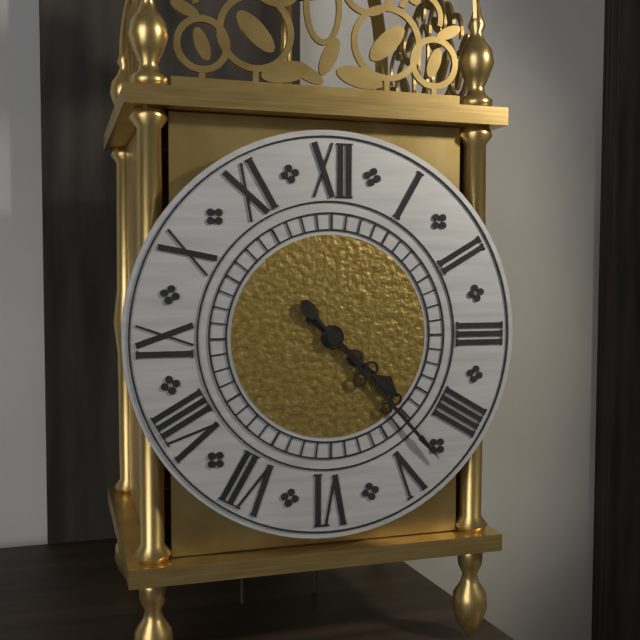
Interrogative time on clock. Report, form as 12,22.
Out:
4,23
